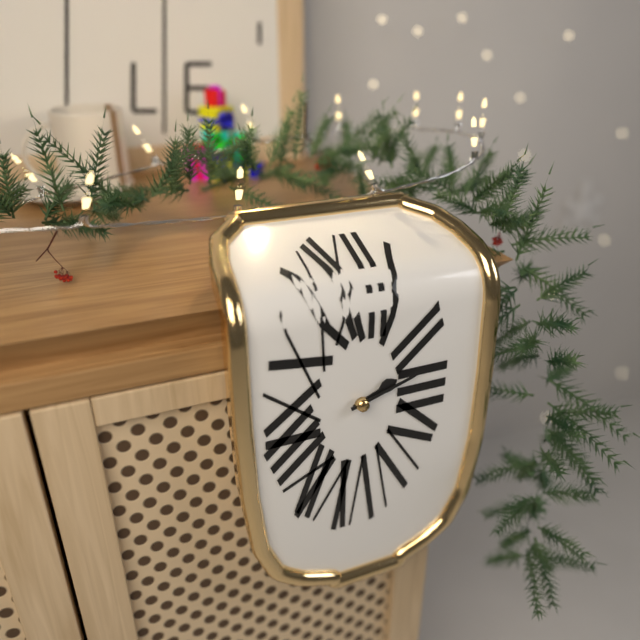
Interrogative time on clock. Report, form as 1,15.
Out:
2,12
